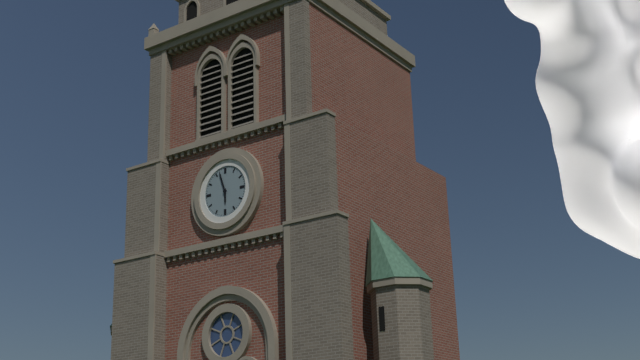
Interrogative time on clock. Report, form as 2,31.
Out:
5,57
